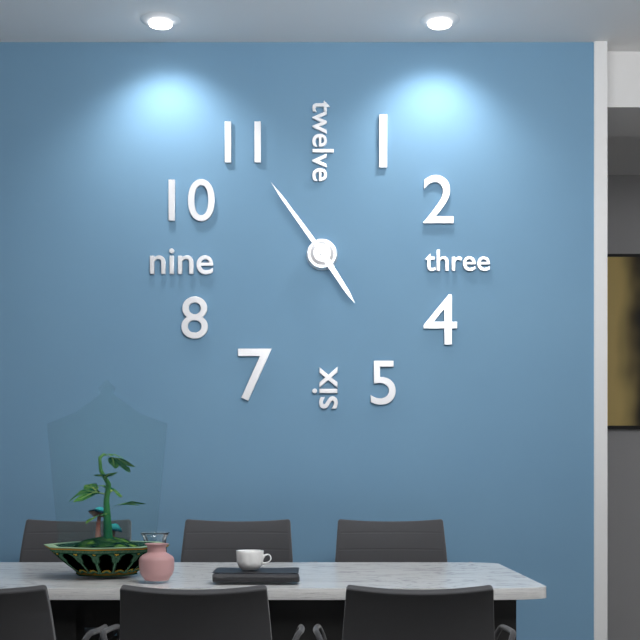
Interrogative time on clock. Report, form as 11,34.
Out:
4,54
